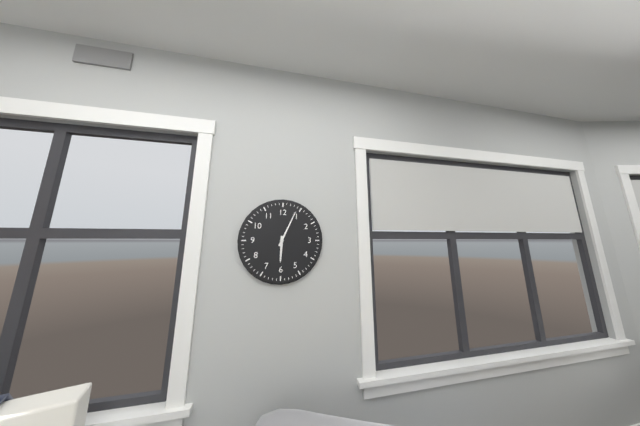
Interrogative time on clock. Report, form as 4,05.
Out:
6,04
